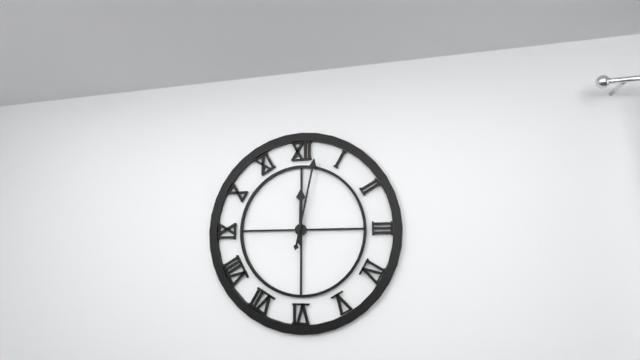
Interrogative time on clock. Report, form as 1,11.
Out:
12,02
